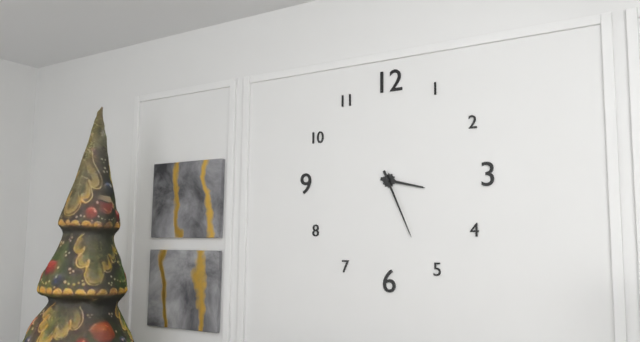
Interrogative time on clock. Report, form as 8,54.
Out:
3,26
